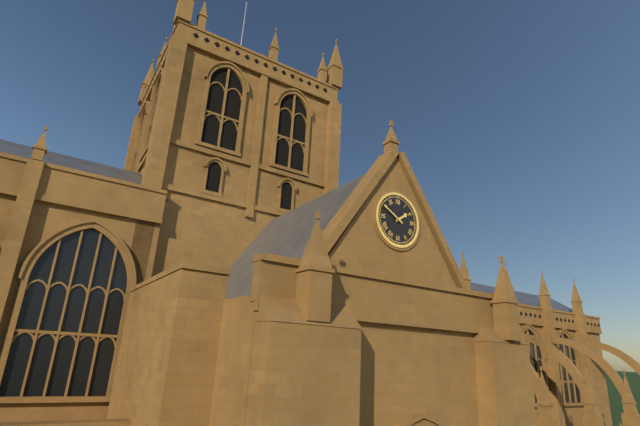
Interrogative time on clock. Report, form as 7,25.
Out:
1,50
